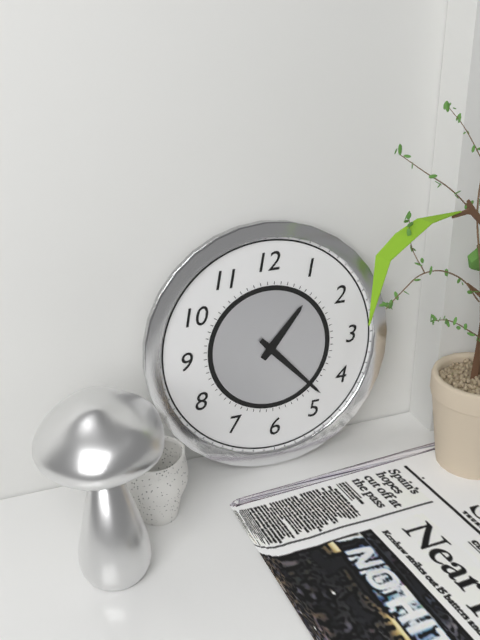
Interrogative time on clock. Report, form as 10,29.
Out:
1,23
